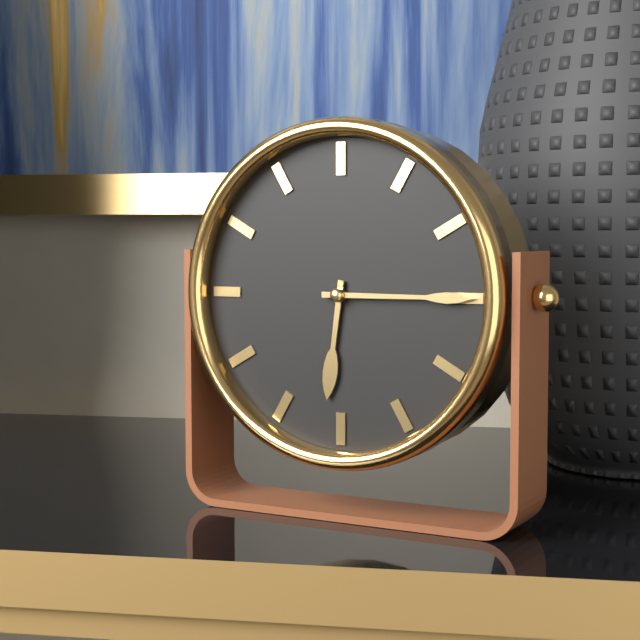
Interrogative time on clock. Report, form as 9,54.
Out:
6,15
